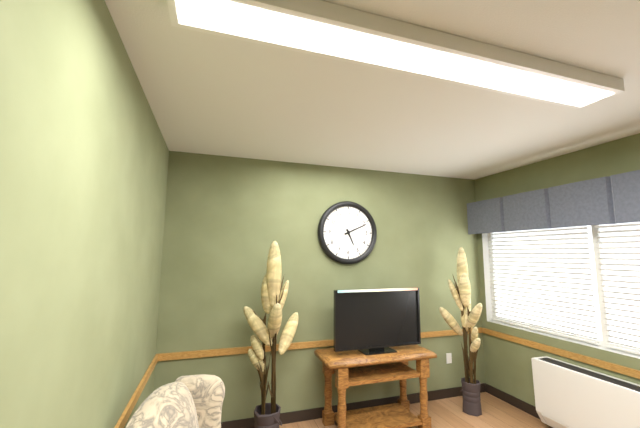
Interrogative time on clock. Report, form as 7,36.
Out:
5,11
